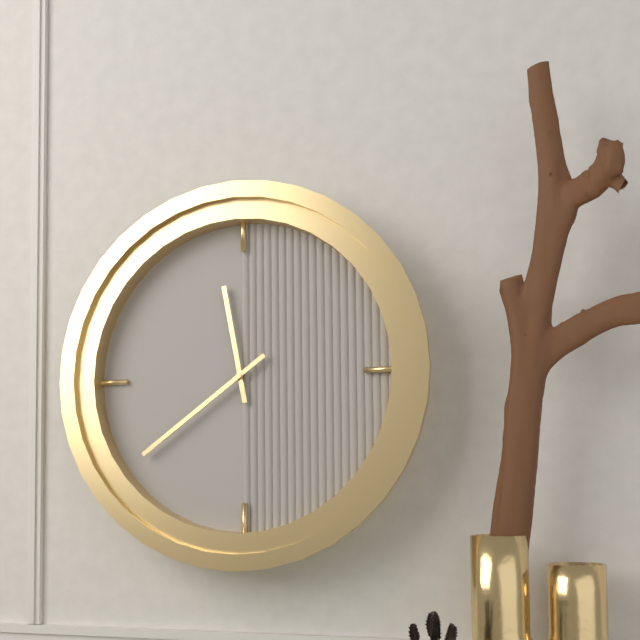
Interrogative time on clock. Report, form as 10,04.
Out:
11,39
